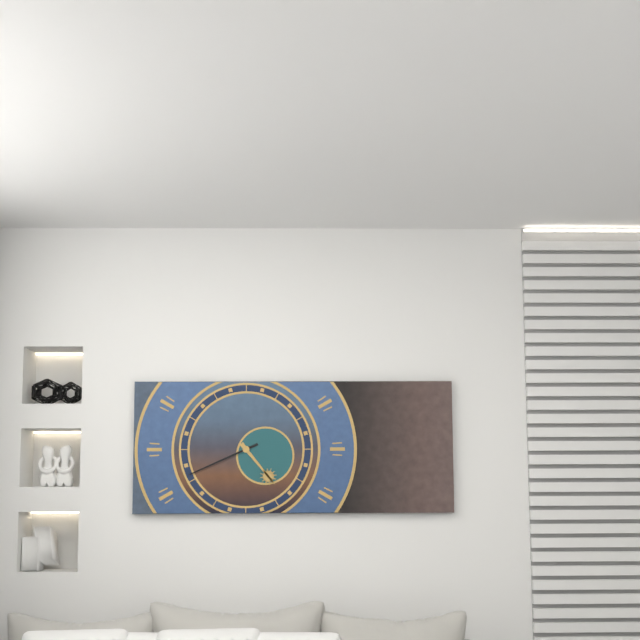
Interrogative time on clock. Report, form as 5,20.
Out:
4,41
